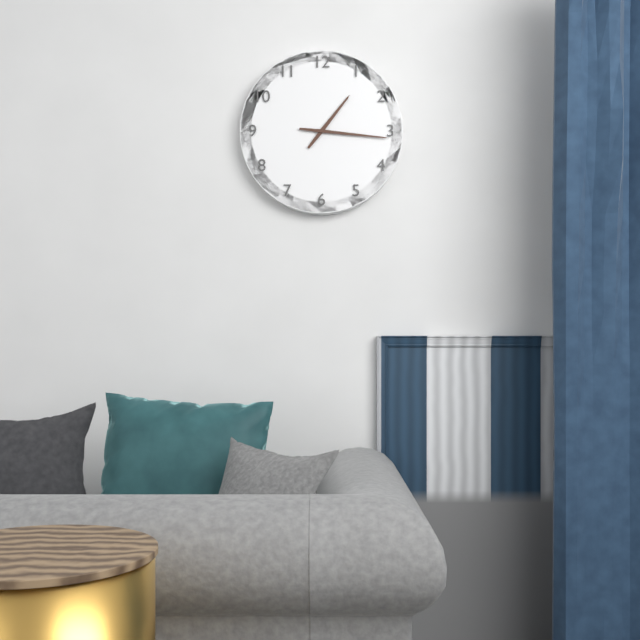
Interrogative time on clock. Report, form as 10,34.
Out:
1,16
